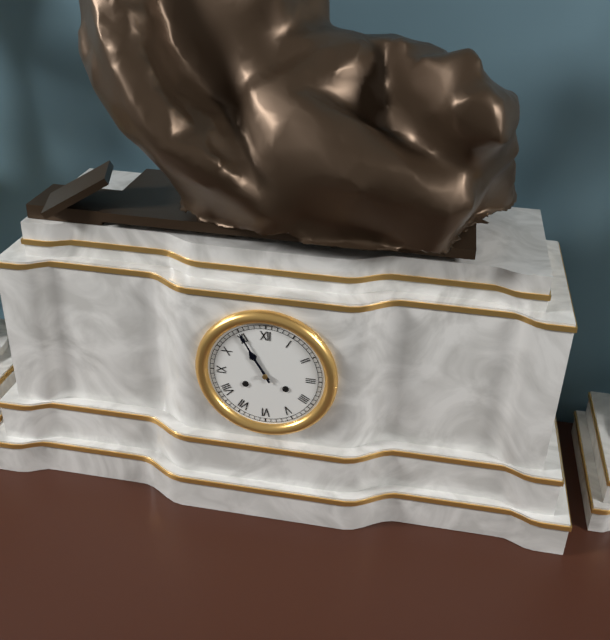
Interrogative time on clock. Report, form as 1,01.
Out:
10,55
